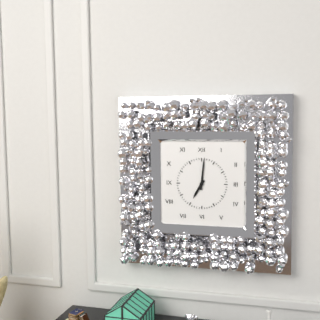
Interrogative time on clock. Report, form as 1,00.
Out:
7,01
